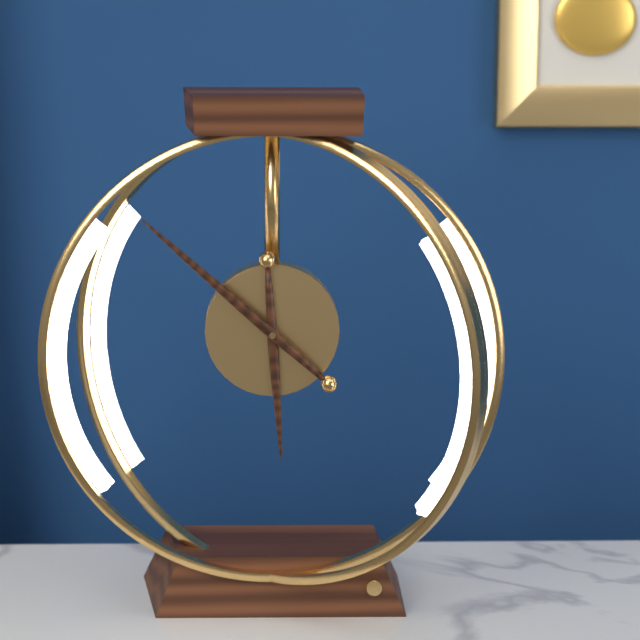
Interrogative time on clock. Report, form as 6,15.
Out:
5,52
